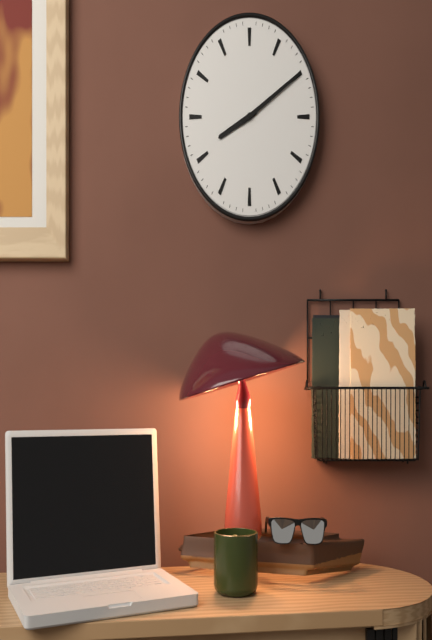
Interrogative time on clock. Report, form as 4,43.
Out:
8,10
